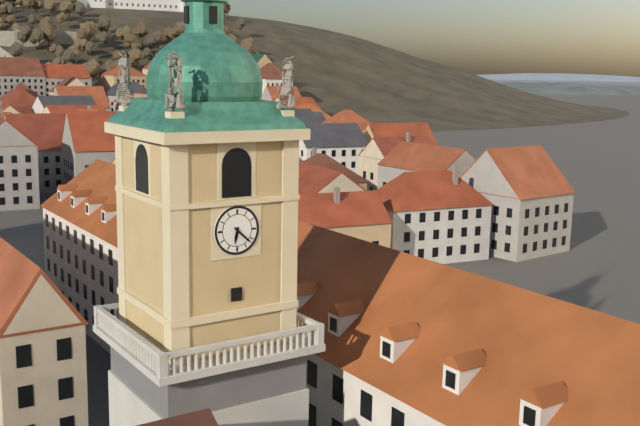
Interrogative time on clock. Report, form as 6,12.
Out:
6,22
